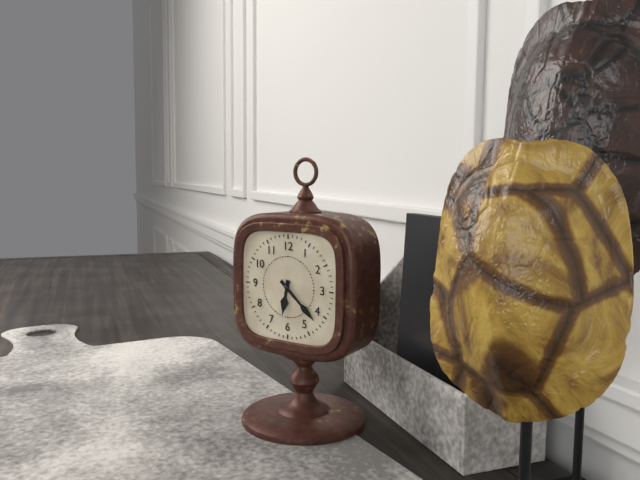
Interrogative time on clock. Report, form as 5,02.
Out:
6,22
